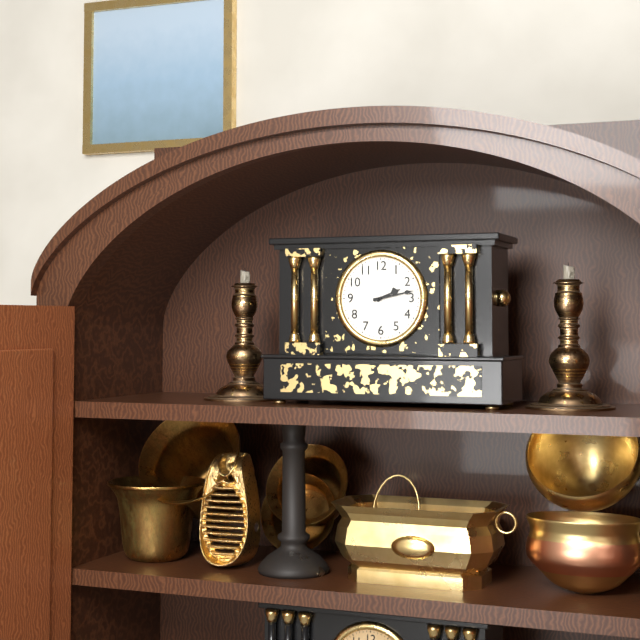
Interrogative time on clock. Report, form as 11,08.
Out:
2,13
